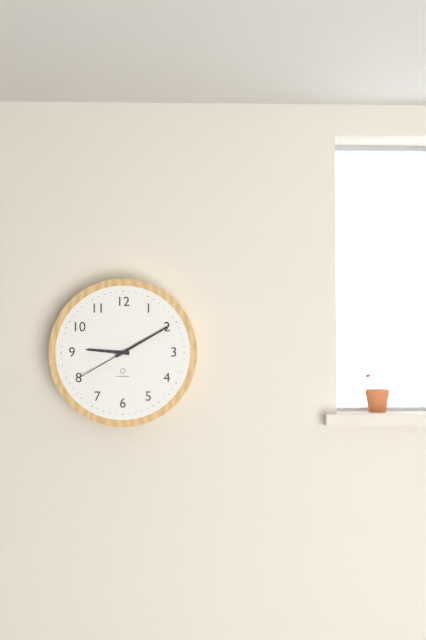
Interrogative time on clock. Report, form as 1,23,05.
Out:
9,10,40
